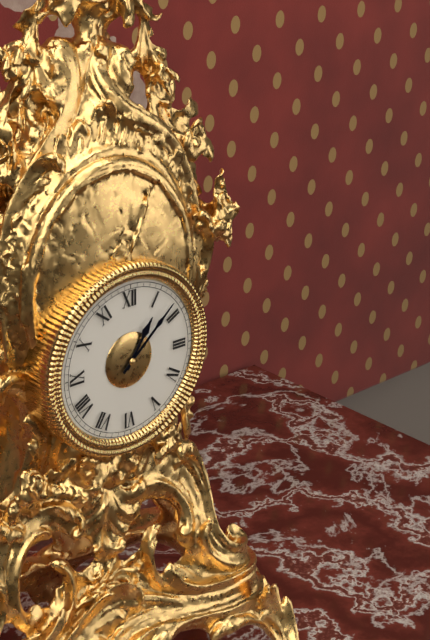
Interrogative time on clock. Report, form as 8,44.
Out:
1,08
